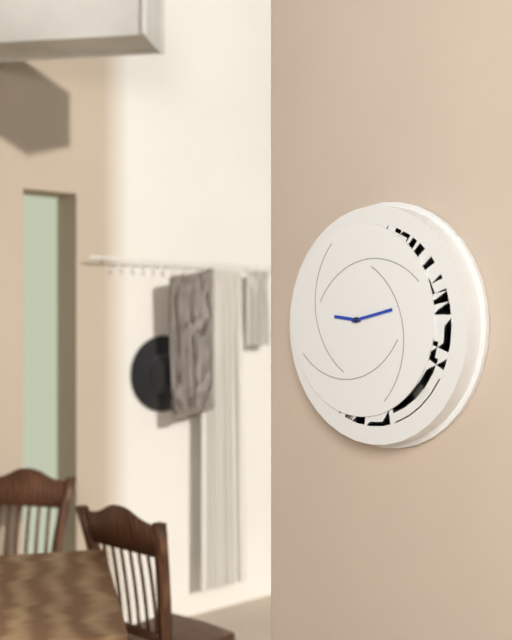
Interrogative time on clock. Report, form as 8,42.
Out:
9,13
